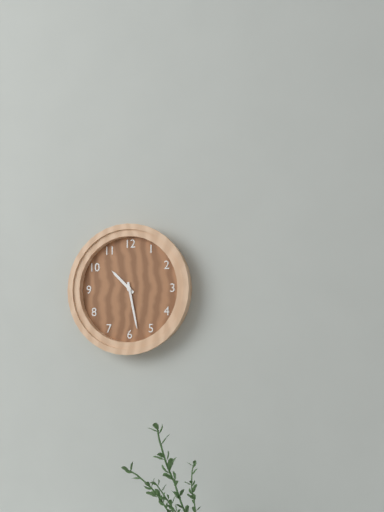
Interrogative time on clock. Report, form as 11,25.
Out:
10,28
